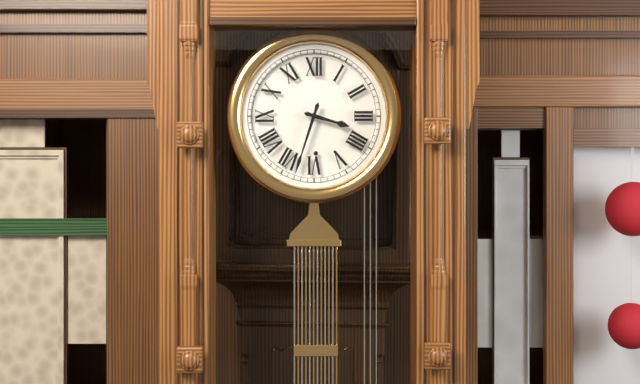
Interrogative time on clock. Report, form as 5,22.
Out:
3,33
